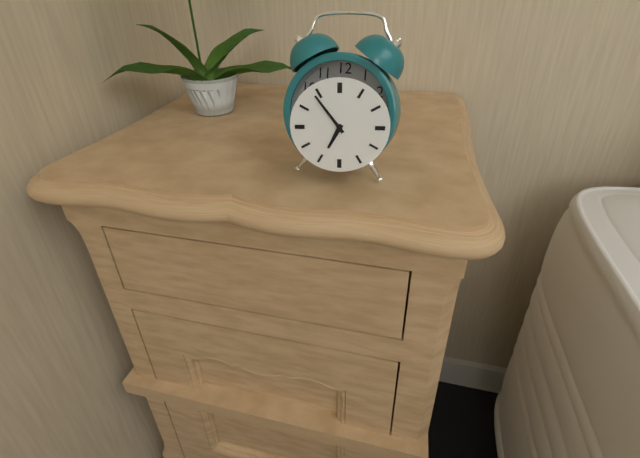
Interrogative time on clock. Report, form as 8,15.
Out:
6,54
